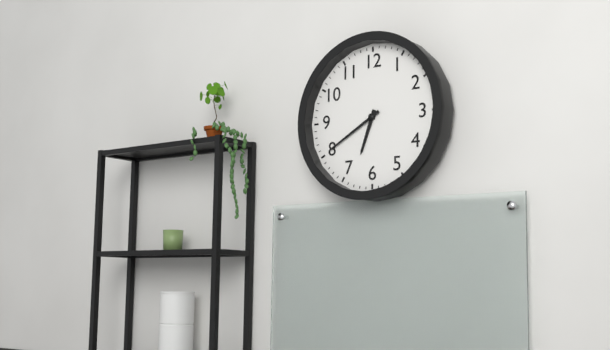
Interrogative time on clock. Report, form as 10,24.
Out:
6,40
